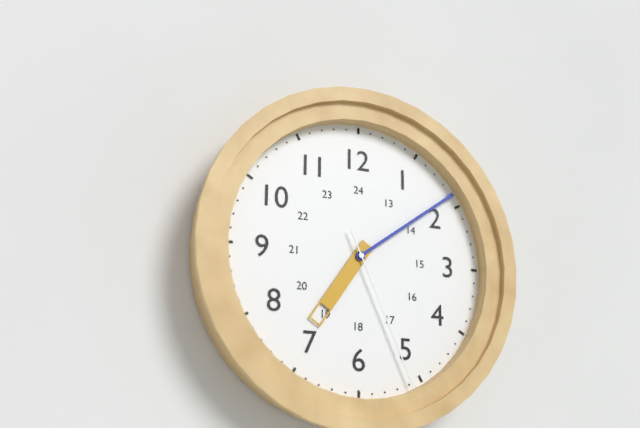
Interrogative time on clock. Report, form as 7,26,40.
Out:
7,09,26
